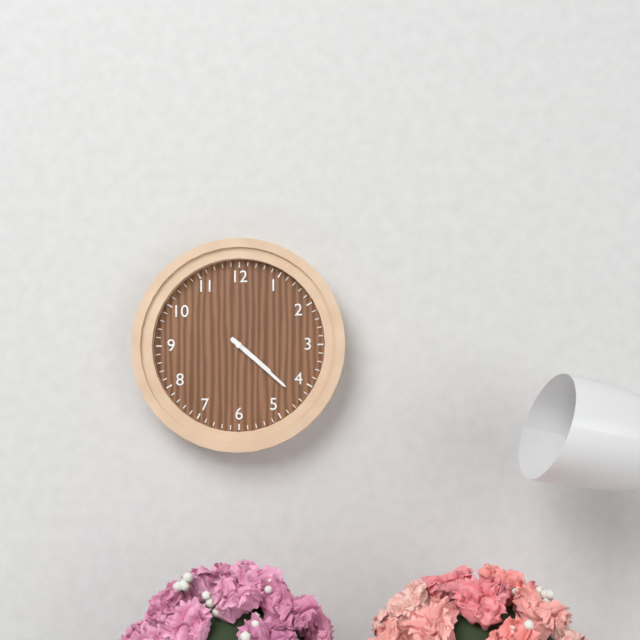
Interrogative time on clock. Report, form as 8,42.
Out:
4,22
